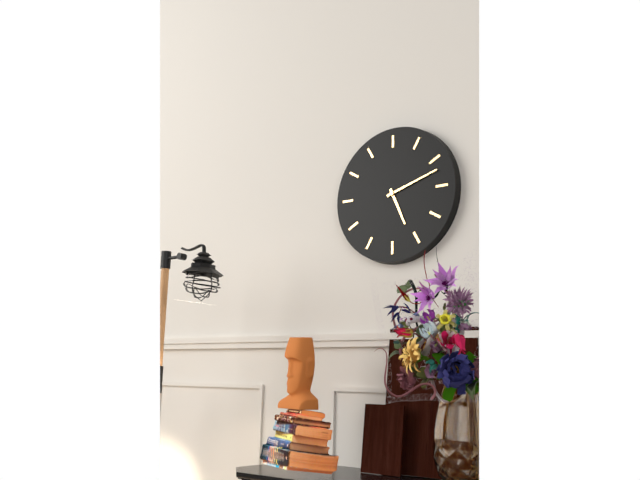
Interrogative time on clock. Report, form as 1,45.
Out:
5,12
